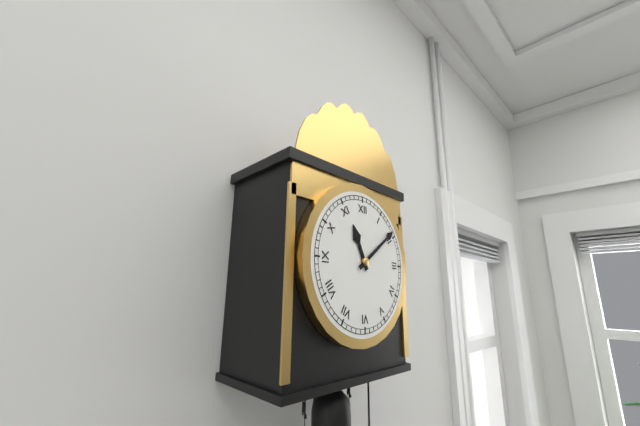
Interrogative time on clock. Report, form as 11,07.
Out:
11,09
